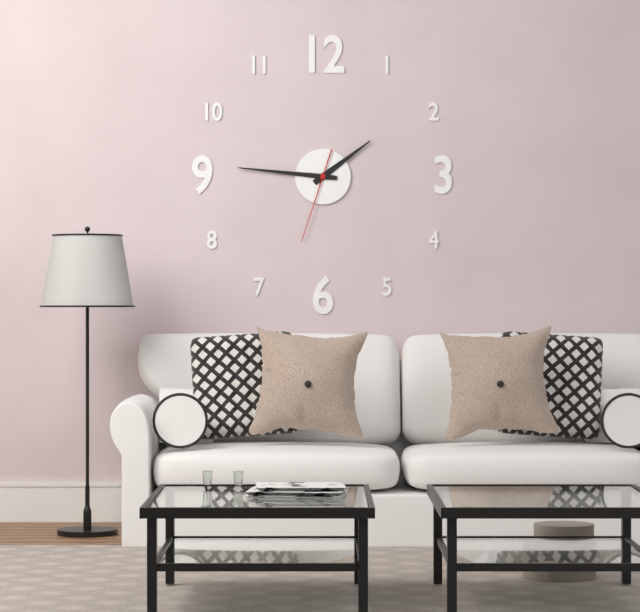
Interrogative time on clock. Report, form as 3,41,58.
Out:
1,46,33
